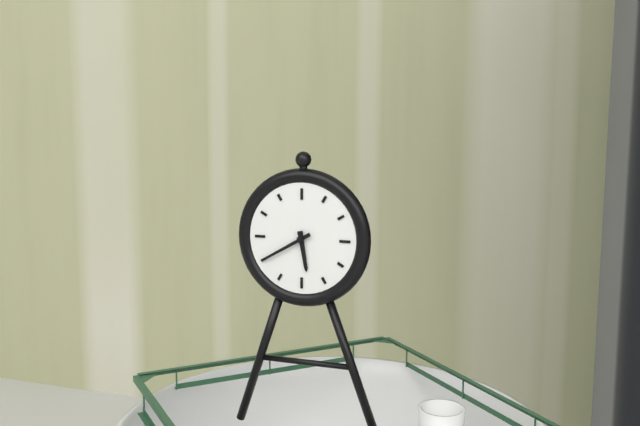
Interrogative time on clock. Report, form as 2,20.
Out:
5,40
